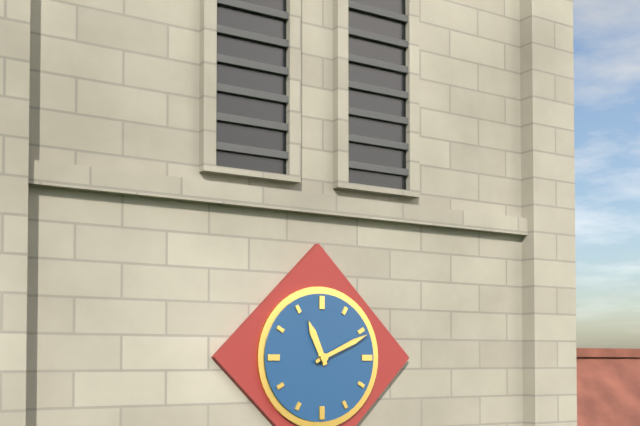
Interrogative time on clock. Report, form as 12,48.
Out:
11,11
